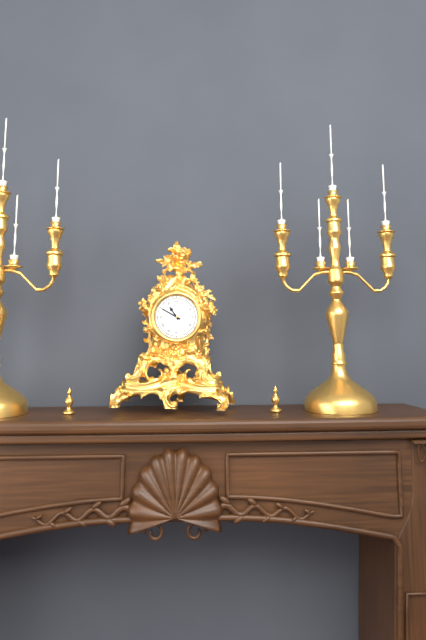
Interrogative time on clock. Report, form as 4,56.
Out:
10,50
